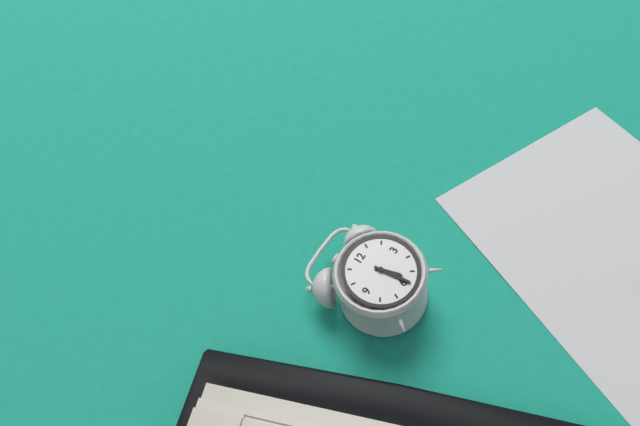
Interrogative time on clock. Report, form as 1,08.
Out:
5,29
